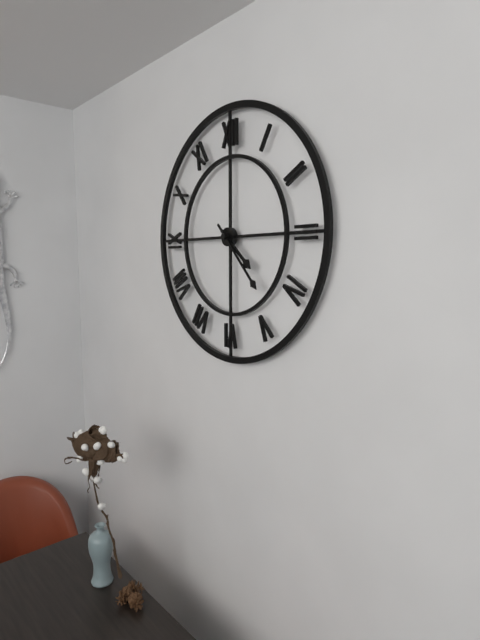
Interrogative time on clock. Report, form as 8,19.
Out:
4,23
